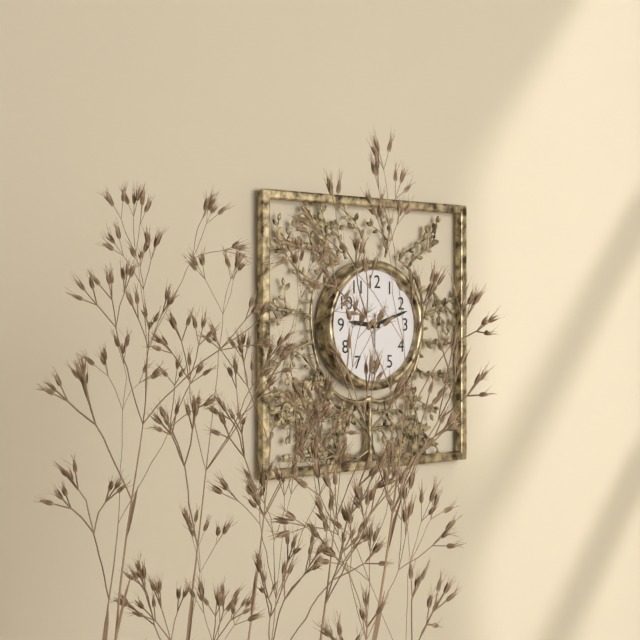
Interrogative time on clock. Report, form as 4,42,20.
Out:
9,12,30
